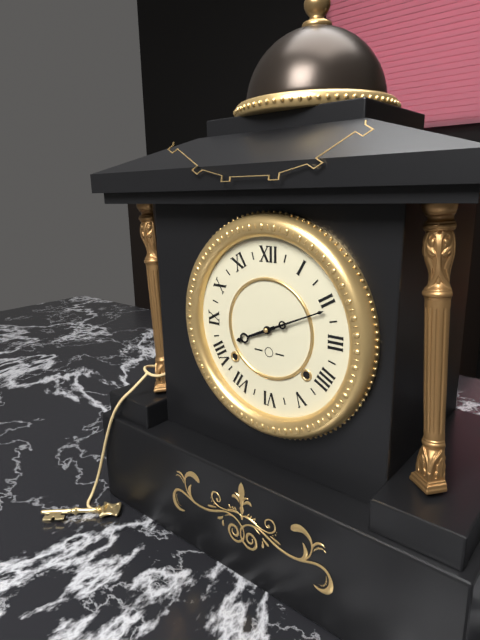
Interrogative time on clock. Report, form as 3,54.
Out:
8,11
